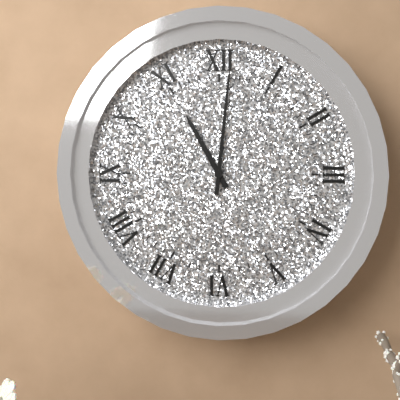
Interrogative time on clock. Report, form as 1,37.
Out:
11,01
